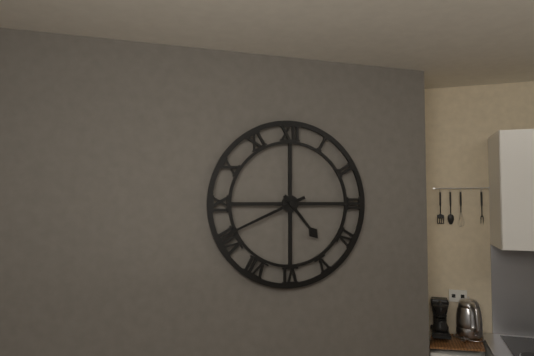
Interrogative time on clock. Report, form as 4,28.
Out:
4,41
